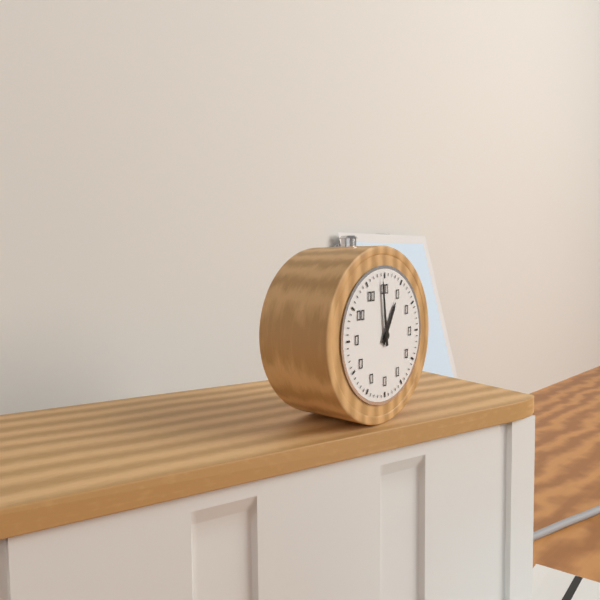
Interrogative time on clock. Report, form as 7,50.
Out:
12,59
